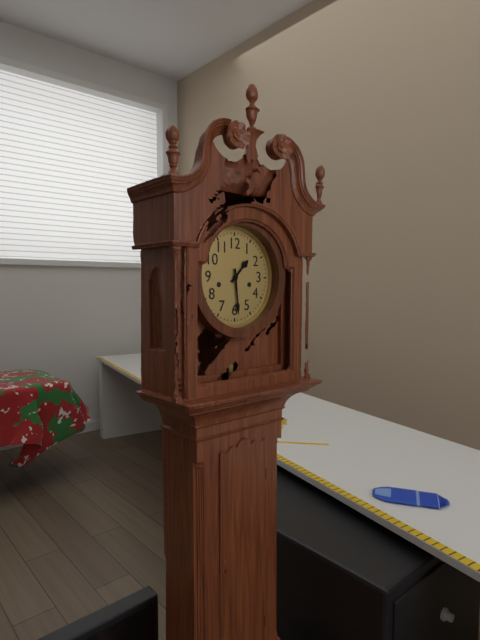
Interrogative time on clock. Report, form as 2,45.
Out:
1,29
